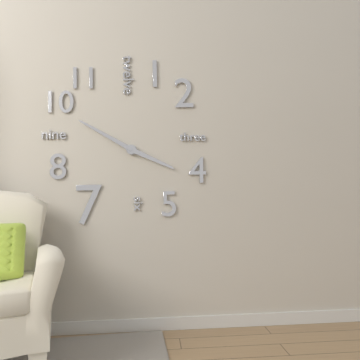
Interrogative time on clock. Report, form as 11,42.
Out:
3,50
